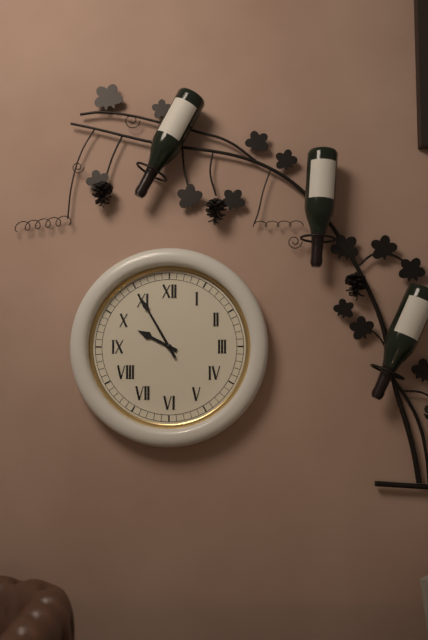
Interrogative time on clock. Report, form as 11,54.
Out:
9,55
